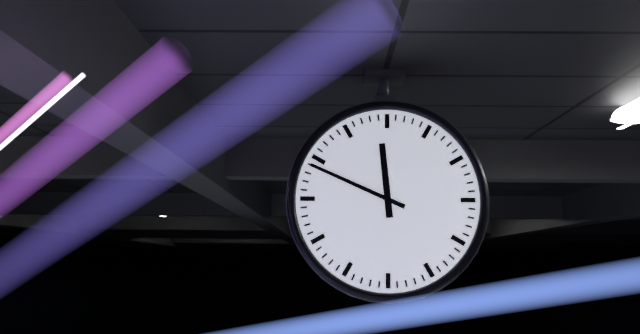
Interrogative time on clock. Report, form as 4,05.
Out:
11,49
